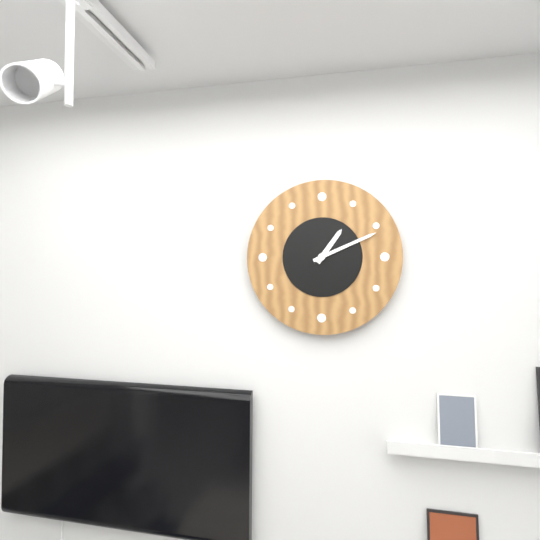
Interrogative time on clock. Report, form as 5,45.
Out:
1,11
